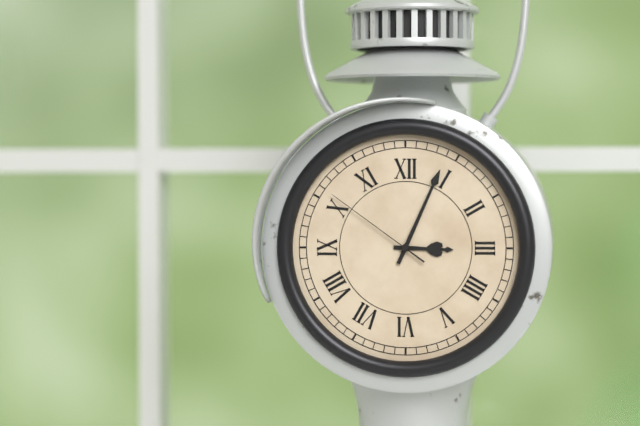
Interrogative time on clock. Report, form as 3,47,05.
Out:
3,04,51
